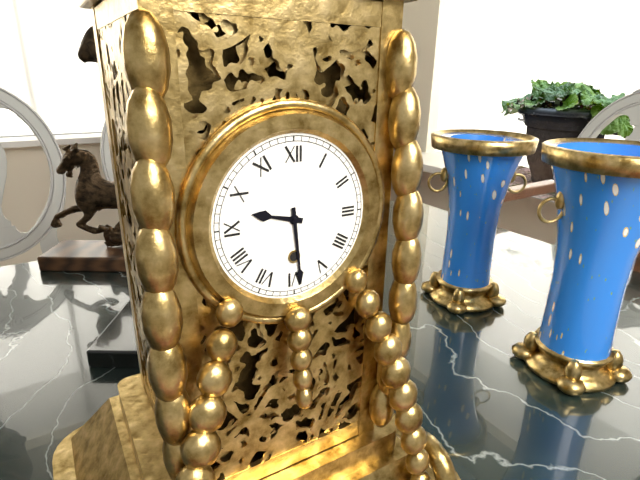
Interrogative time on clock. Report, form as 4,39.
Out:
9,29
